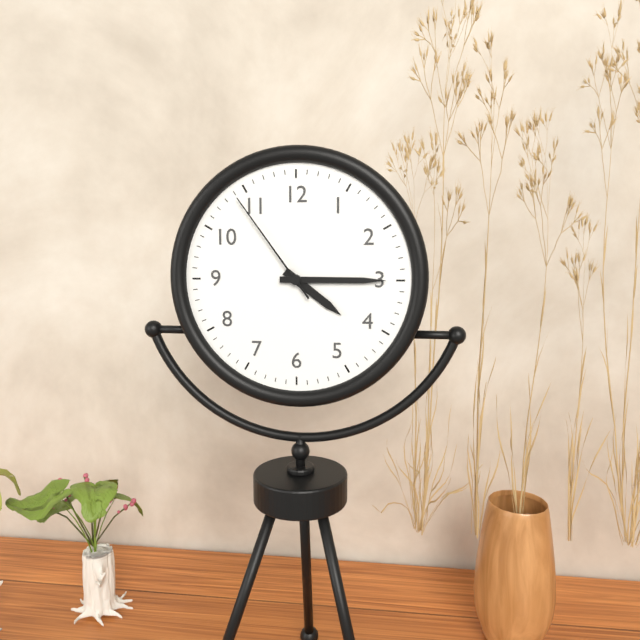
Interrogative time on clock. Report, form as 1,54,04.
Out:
4,15,54
